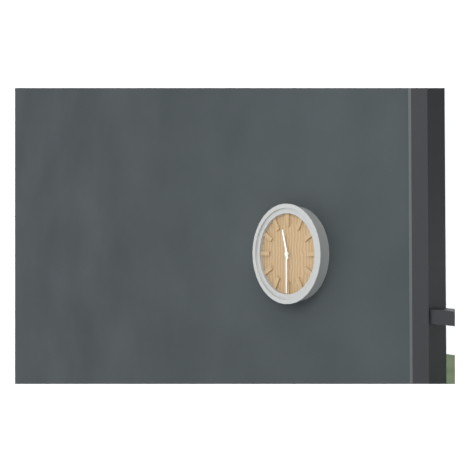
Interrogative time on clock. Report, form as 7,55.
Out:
11,30
